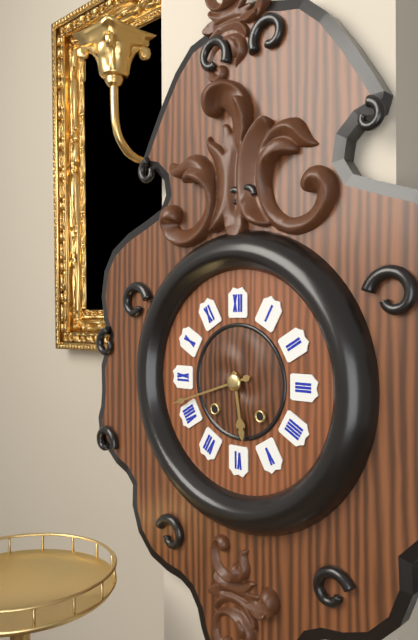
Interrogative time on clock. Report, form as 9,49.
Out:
5,42
